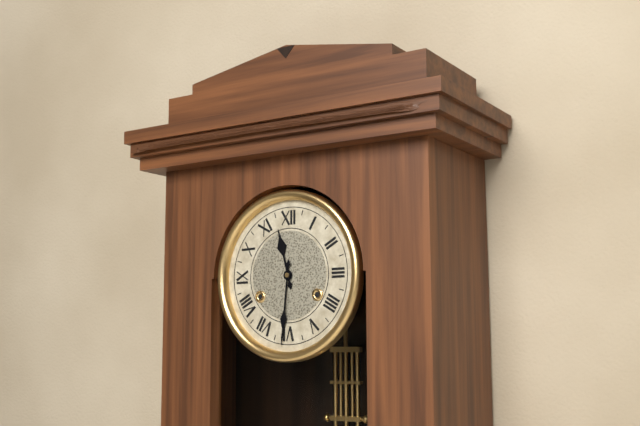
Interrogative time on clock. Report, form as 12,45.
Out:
11,31
